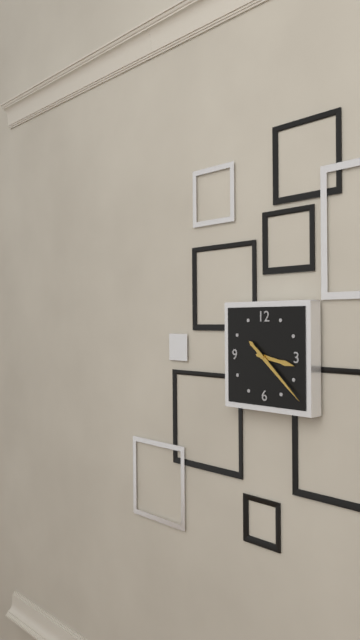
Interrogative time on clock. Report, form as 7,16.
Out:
3,22
